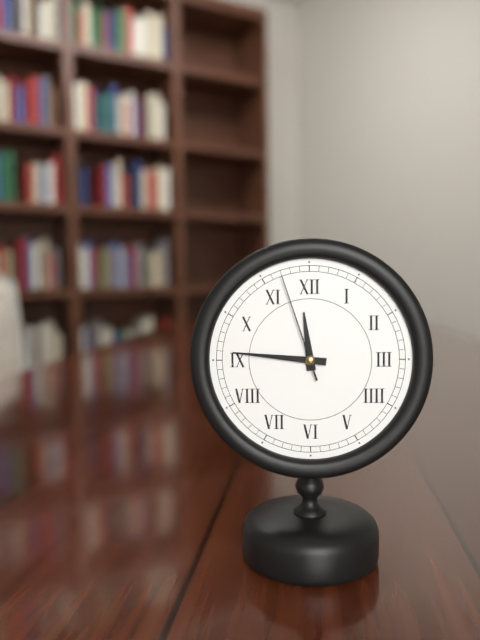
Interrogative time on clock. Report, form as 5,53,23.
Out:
11,46,57
